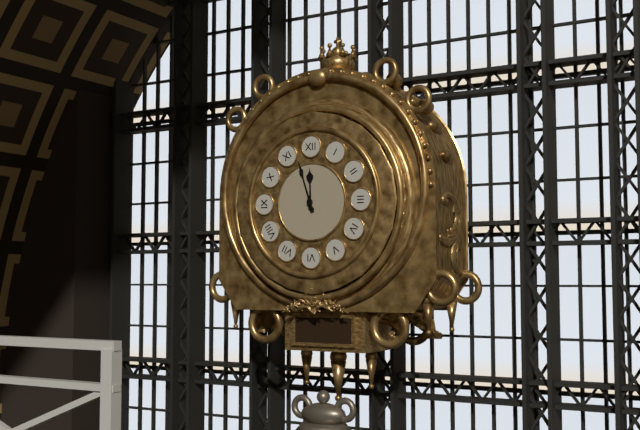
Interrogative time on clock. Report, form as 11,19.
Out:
11,57
